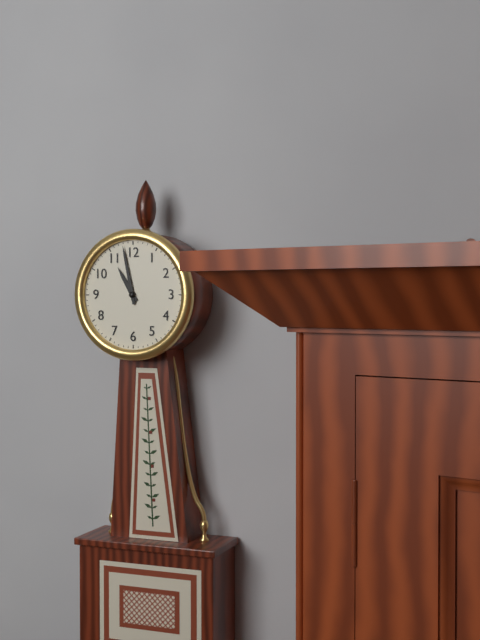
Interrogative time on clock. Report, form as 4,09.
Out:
10,58
